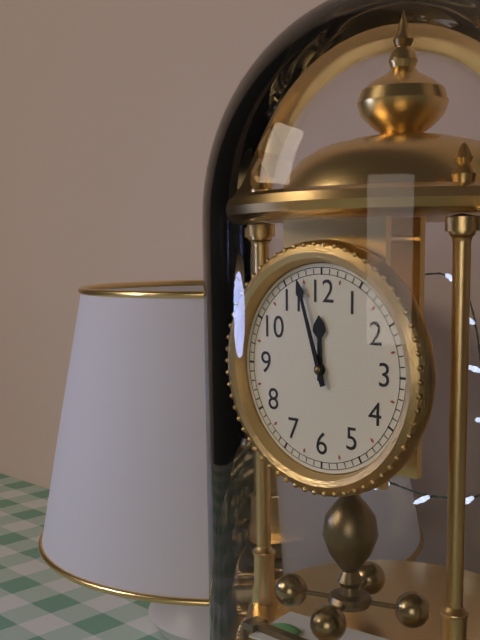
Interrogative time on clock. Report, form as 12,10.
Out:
11,57
